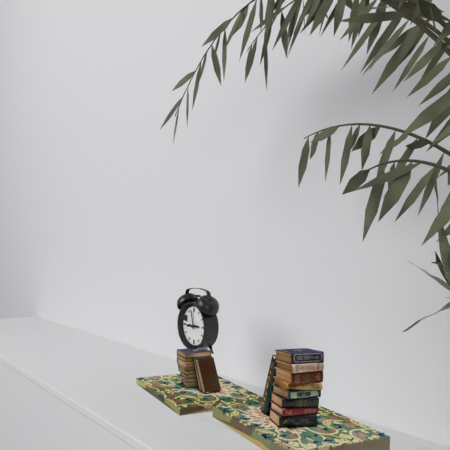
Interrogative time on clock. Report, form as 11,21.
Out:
2,58
